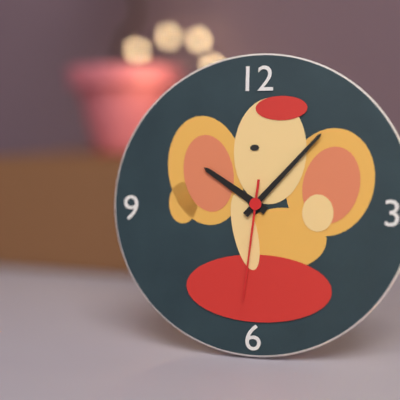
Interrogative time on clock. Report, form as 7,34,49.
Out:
10,07,31
